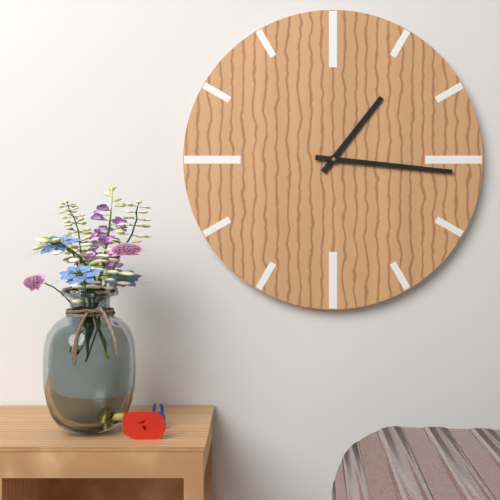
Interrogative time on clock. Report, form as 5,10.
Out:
1,16
